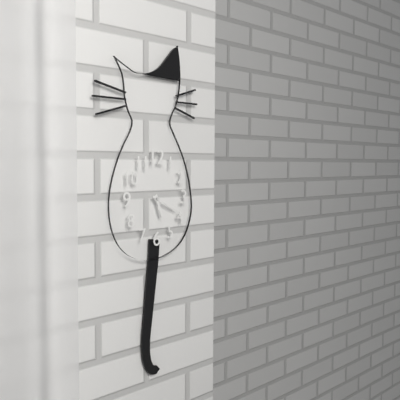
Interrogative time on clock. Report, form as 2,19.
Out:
5,19
